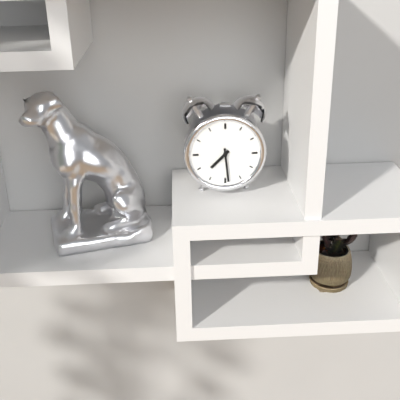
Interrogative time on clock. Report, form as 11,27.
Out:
7,29
